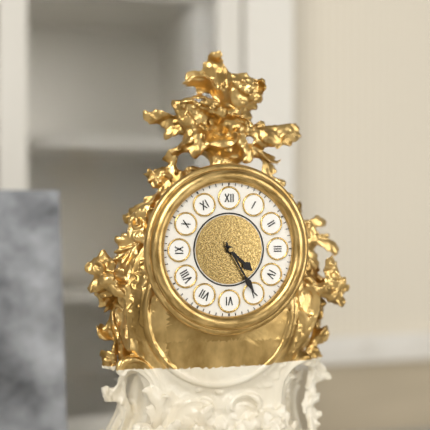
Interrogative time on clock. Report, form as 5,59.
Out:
4,25
